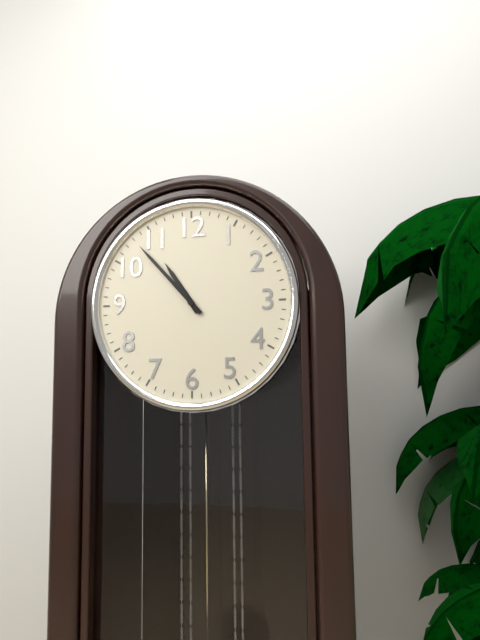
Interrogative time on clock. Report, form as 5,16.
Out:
10,53
